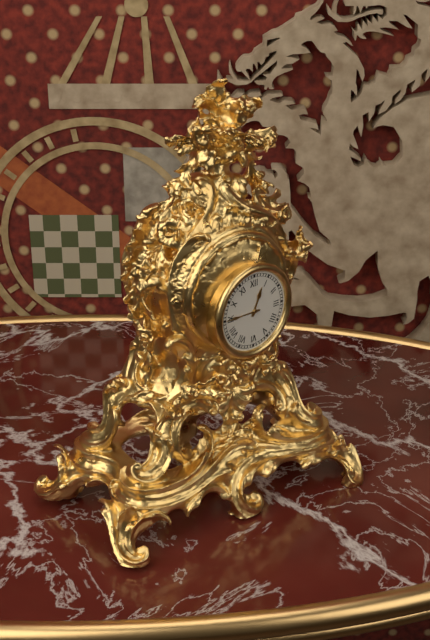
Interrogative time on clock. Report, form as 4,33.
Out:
12,45
